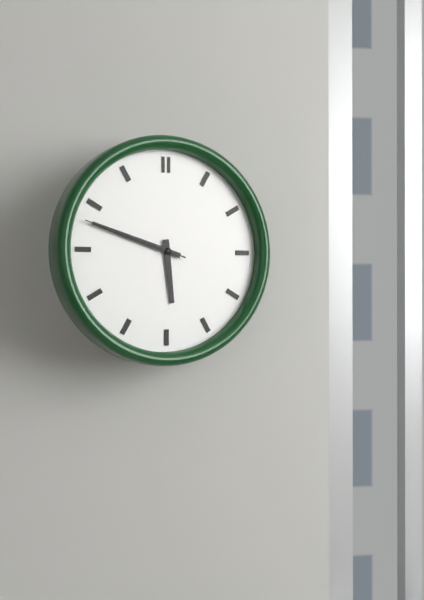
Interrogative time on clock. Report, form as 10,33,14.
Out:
5,48,48
